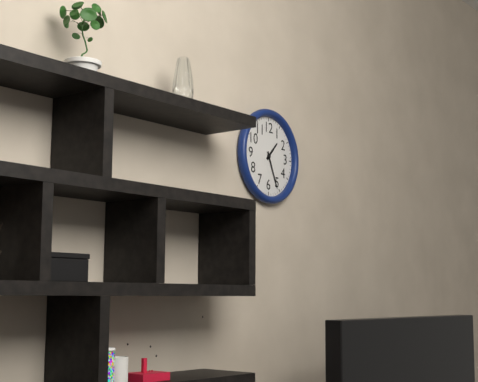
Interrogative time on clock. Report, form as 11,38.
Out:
1,26
